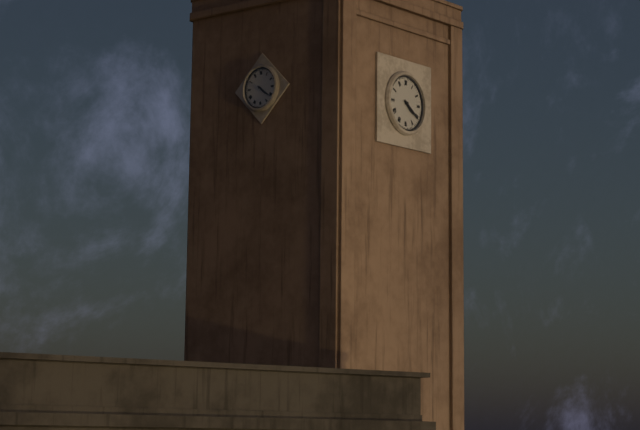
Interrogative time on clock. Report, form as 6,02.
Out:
4,21
